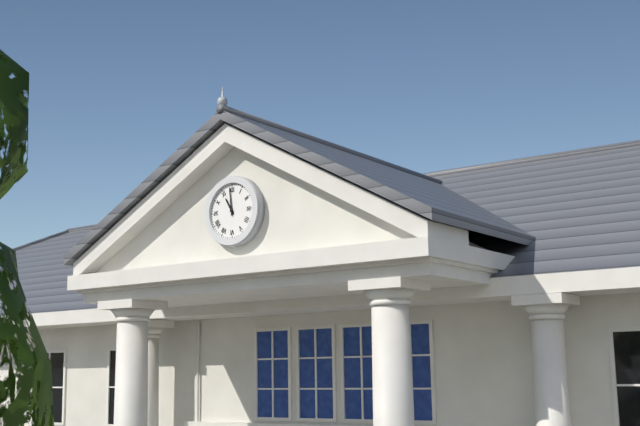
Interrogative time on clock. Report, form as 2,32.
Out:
10,59
